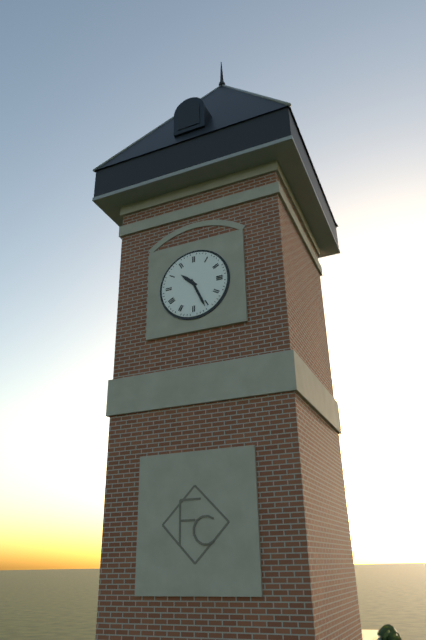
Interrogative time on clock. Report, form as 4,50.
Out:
10,26
